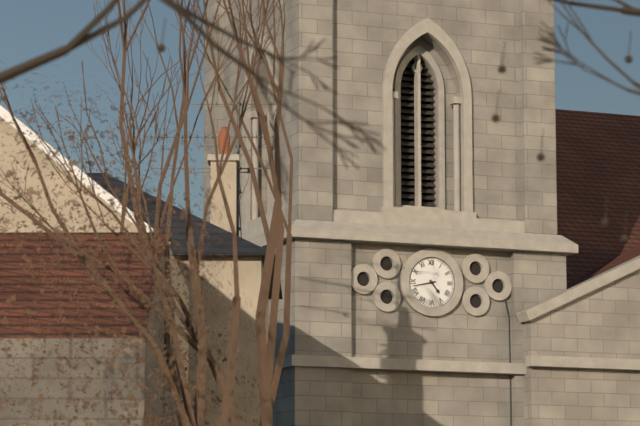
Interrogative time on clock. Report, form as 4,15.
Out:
4,43
